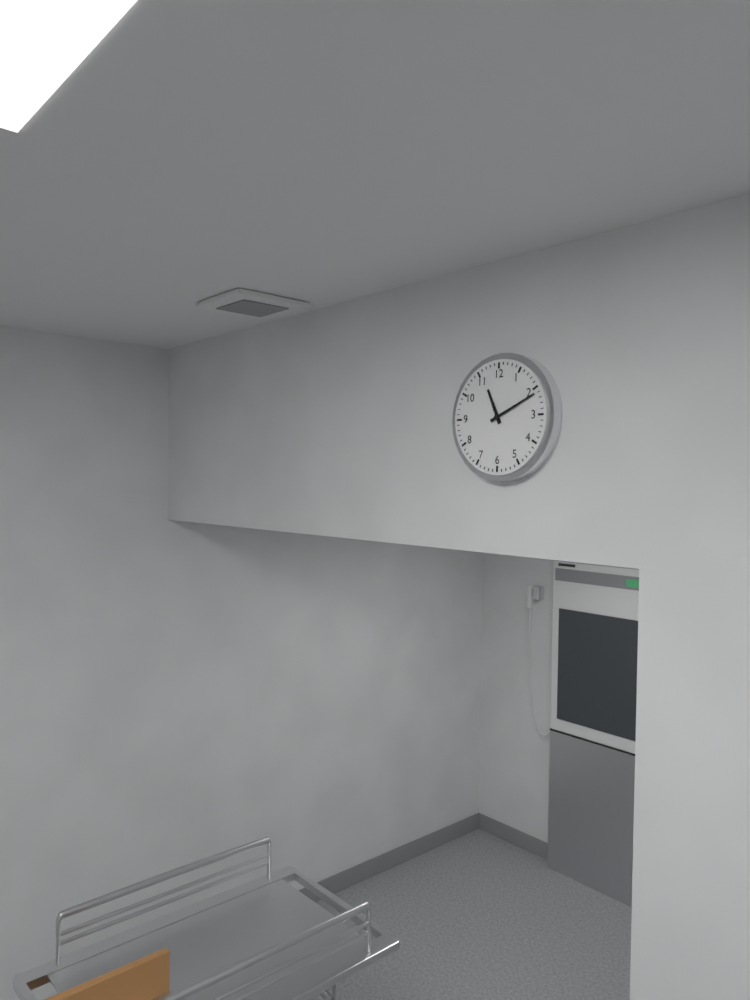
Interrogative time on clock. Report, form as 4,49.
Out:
11,11
